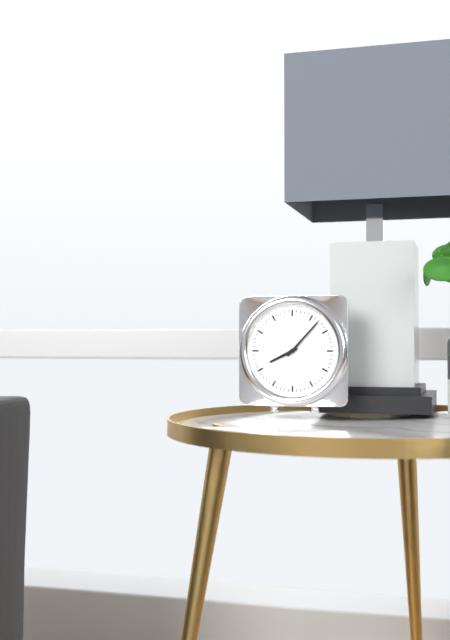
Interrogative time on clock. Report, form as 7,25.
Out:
8,07
